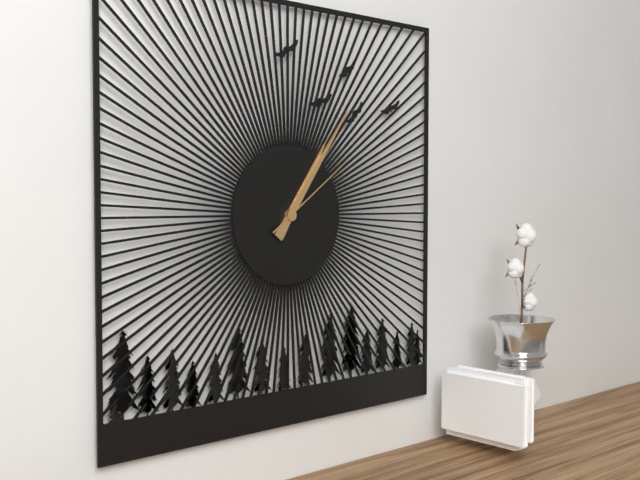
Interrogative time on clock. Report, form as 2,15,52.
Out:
1,06,09
